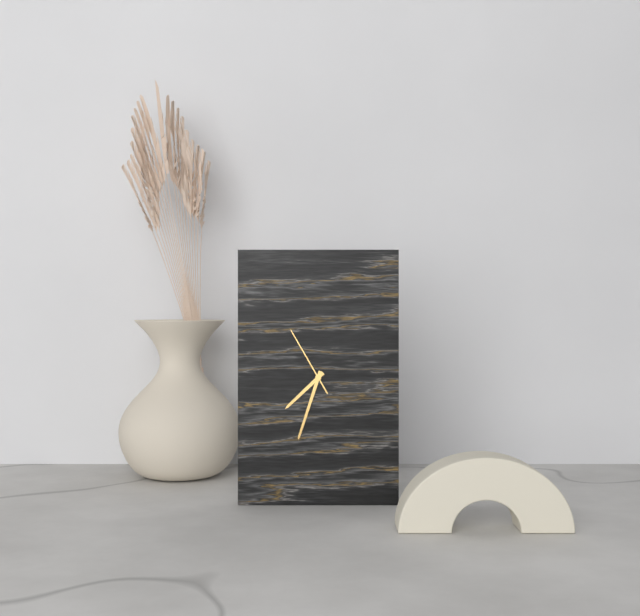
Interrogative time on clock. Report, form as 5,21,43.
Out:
7,33,55
